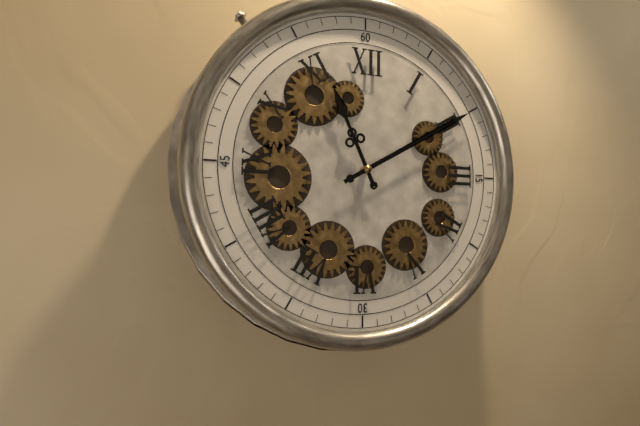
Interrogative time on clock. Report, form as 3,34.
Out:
11,10
